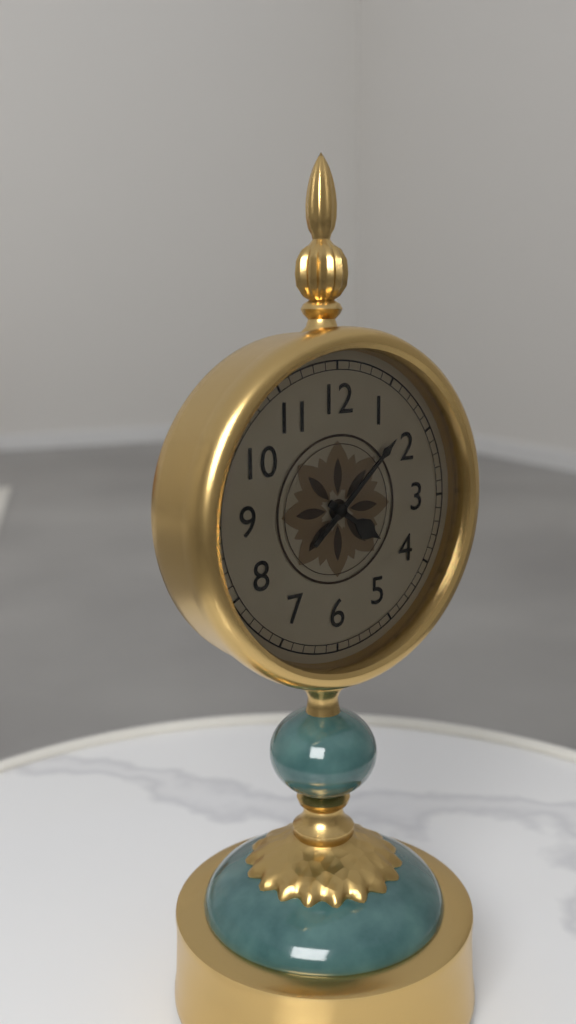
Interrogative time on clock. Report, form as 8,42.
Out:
4,08
